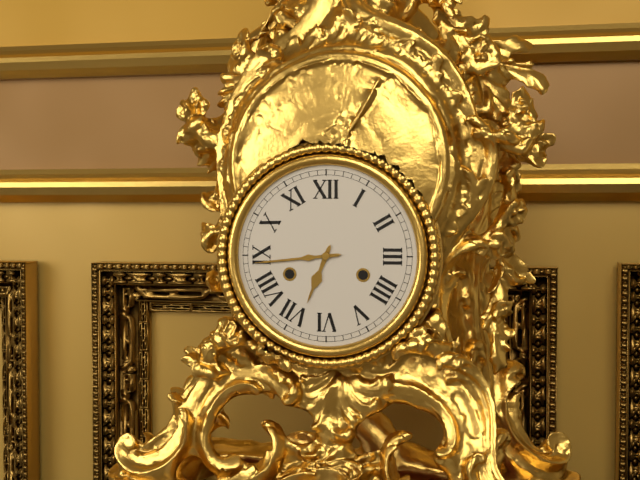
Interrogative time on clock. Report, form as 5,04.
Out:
6,44
